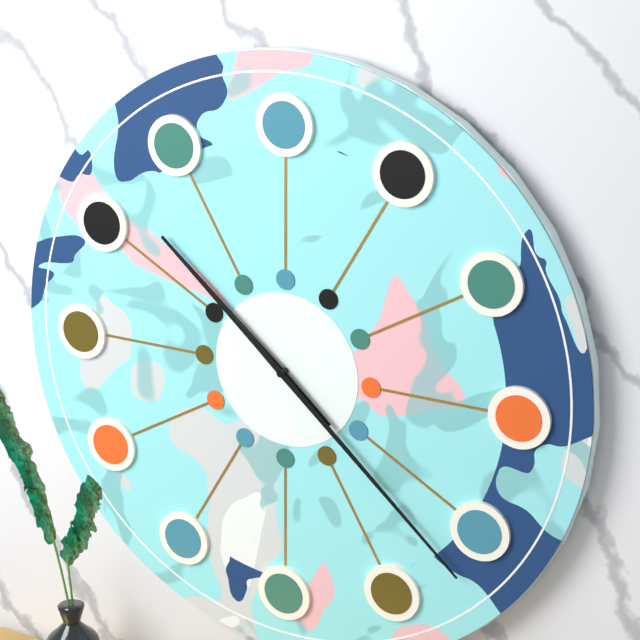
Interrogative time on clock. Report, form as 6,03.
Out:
10,22
